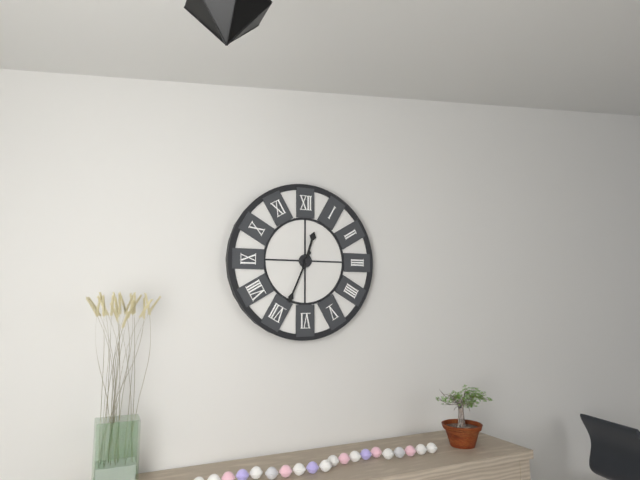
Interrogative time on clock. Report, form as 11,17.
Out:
12,34
